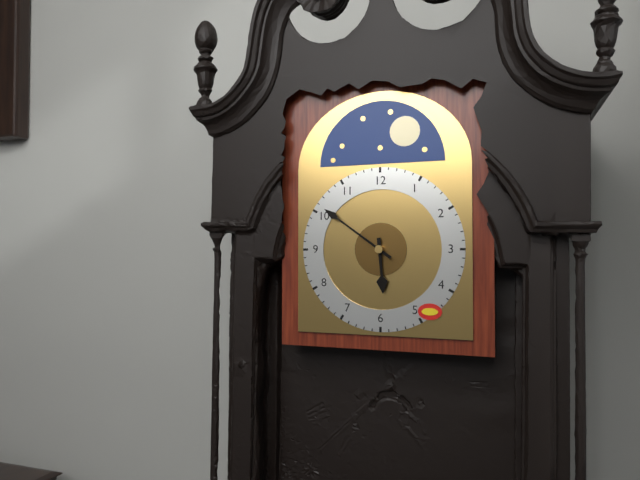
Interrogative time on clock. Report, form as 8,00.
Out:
5,51
